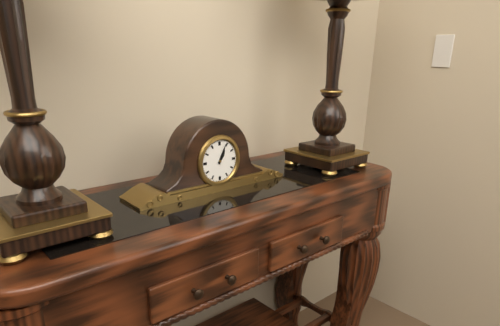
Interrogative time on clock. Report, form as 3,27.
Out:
1,04
